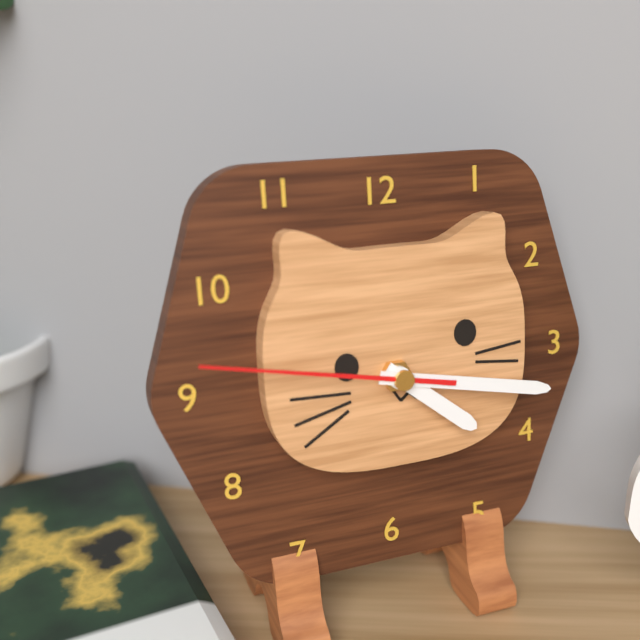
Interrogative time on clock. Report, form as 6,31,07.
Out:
4,17,47
